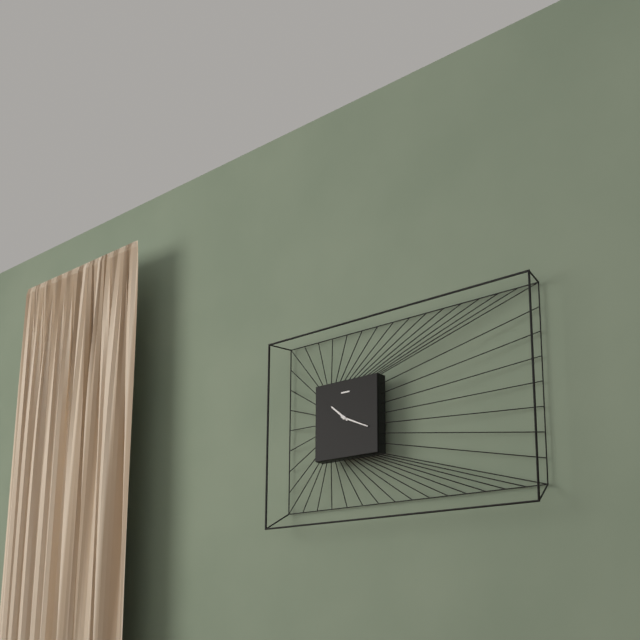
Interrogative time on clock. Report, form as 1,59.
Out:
10,19
